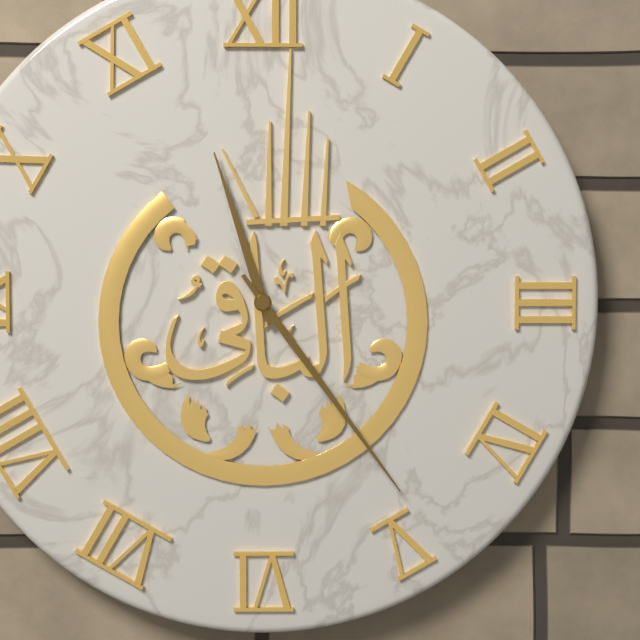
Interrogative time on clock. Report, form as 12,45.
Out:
11,24
